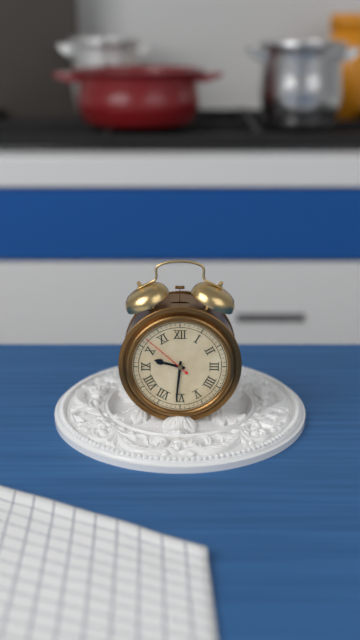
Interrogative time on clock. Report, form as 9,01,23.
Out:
9,31,52
